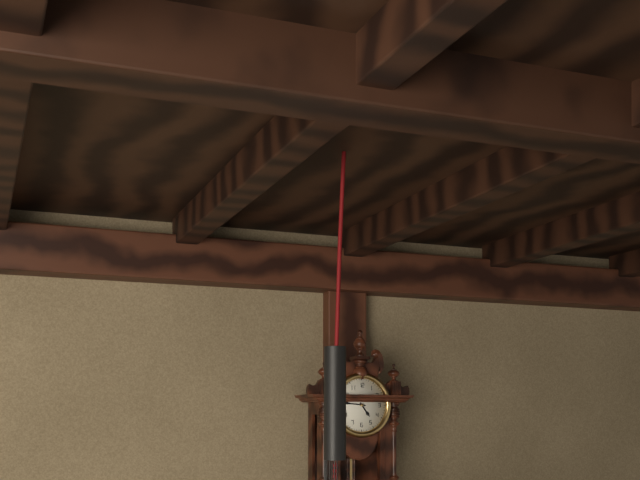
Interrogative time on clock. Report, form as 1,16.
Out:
4,46
